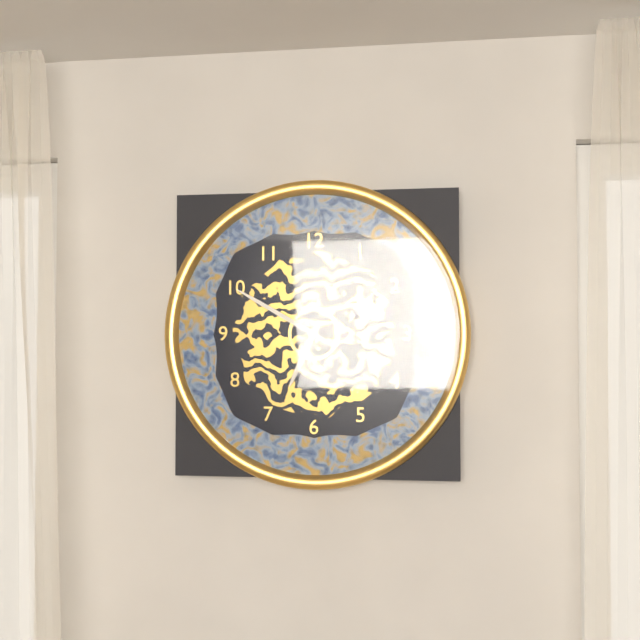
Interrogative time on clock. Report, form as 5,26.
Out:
6,50
